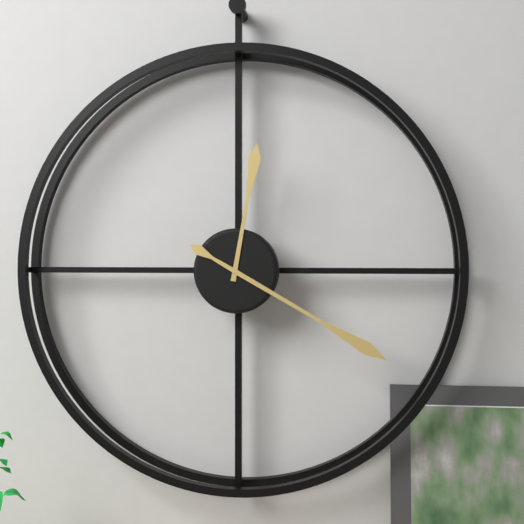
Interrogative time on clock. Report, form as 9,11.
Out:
12,20
